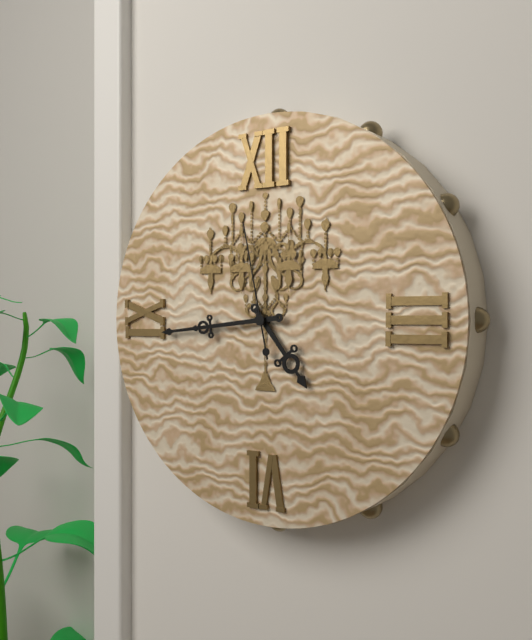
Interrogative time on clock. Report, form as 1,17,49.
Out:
4,44,58
